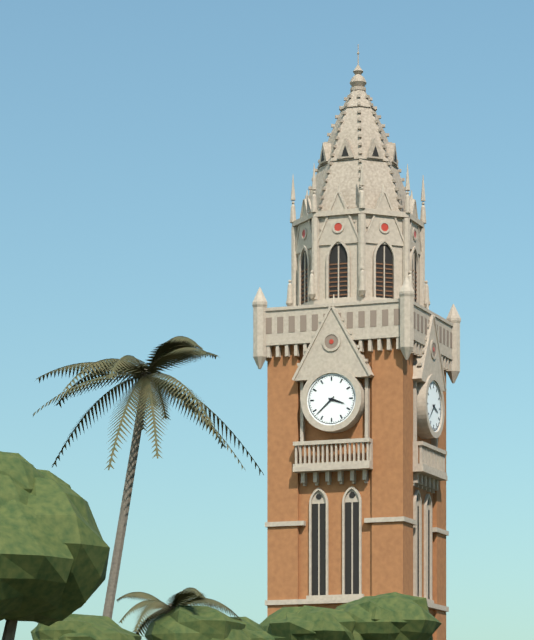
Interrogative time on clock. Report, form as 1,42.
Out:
3,38
